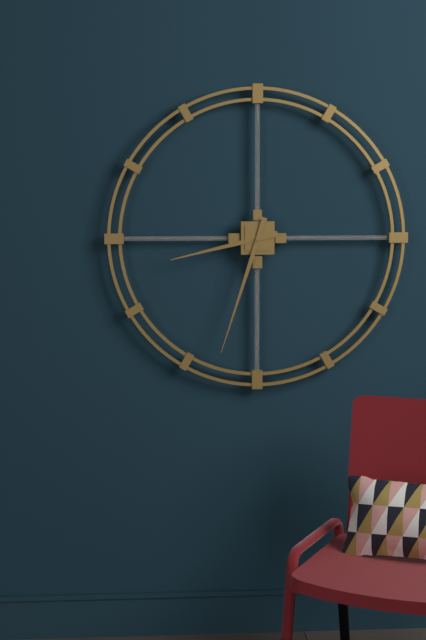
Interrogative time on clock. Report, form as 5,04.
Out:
8,33
